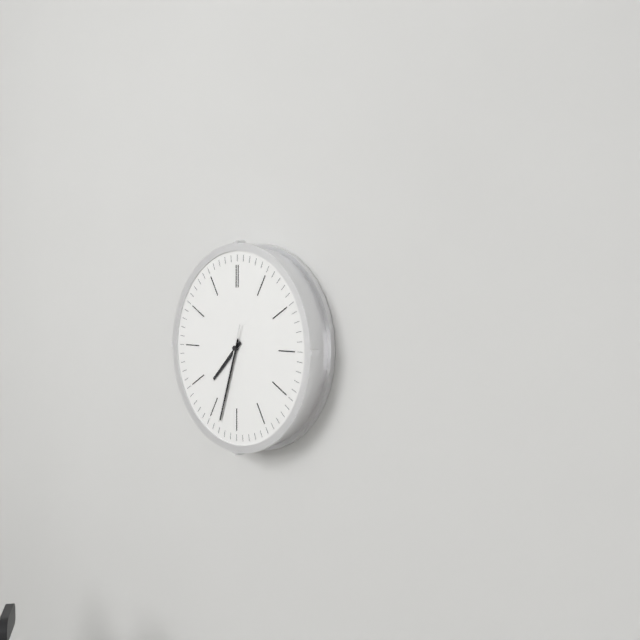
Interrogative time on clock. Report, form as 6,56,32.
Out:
7,33,33
